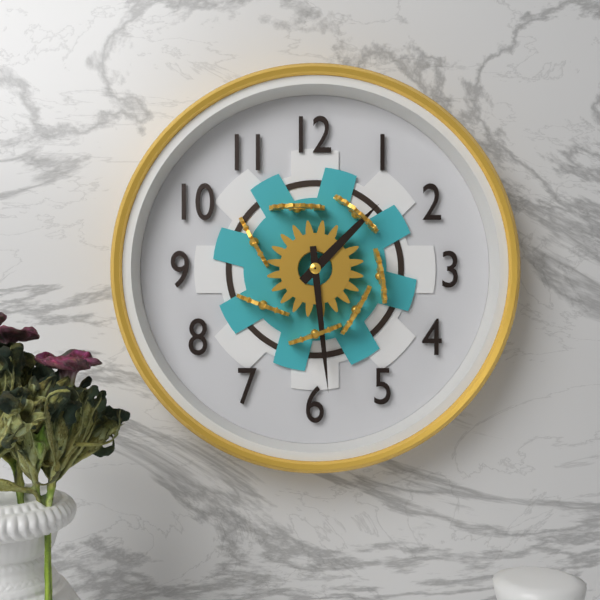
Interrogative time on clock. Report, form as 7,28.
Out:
1,29
